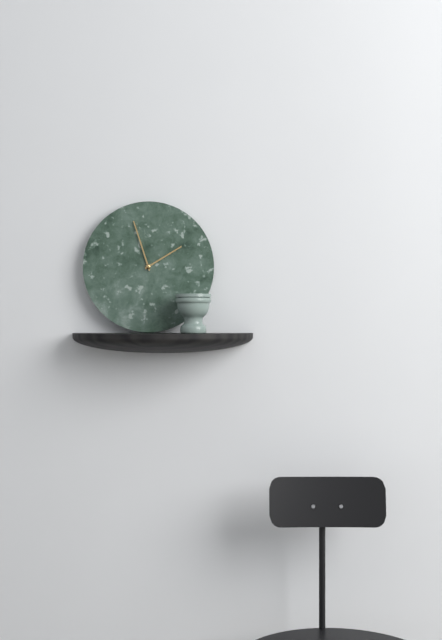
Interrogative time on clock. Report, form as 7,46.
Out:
1,57
